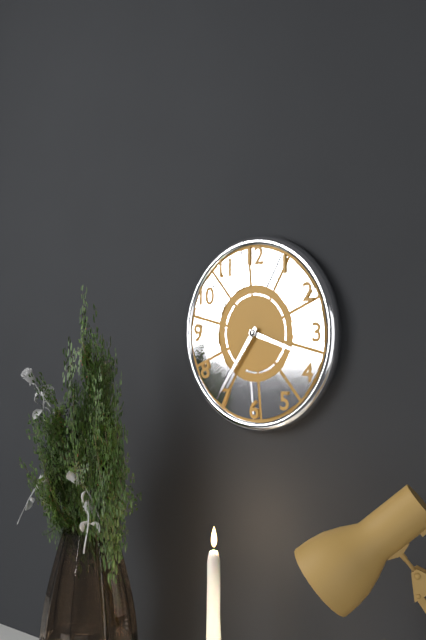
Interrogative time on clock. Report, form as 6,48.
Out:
3,36
